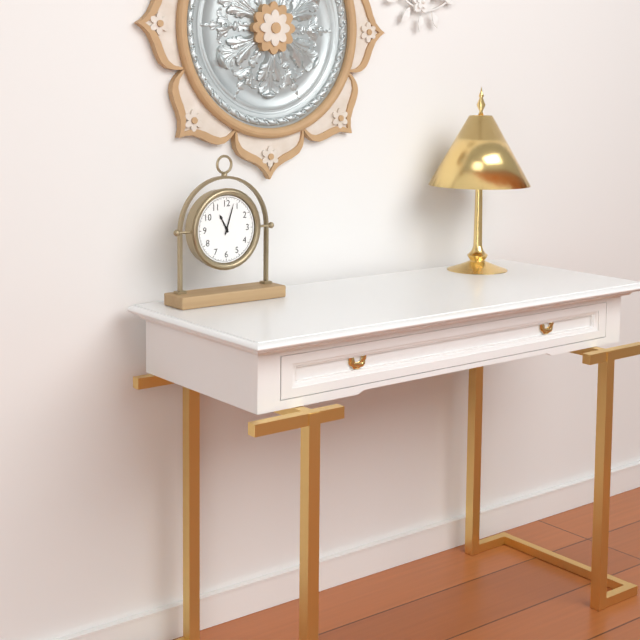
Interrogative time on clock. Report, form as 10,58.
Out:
11,03
